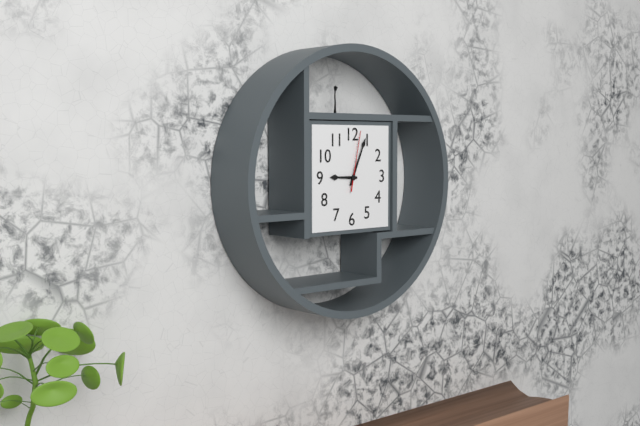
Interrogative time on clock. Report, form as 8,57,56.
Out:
9,04,02
